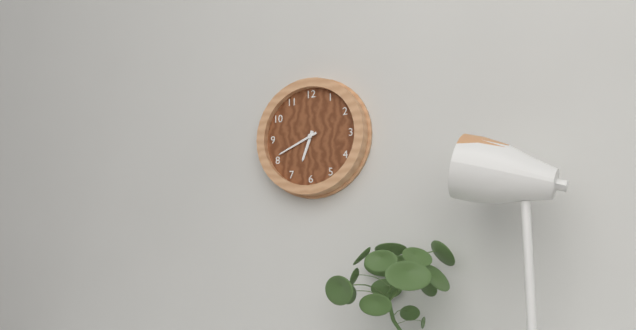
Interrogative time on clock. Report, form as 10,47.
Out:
6,41
